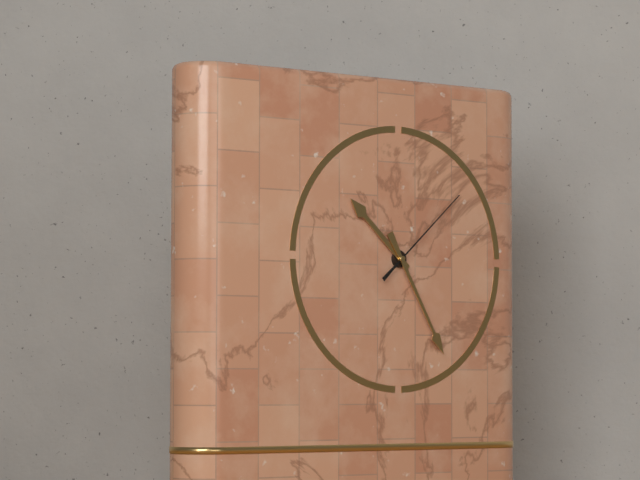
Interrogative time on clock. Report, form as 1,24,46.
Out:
10,25,08
